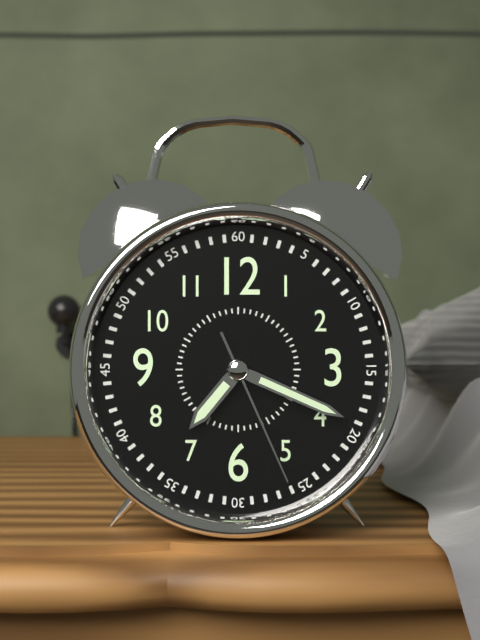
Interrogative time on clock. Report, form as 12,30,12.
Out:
7,19,26
